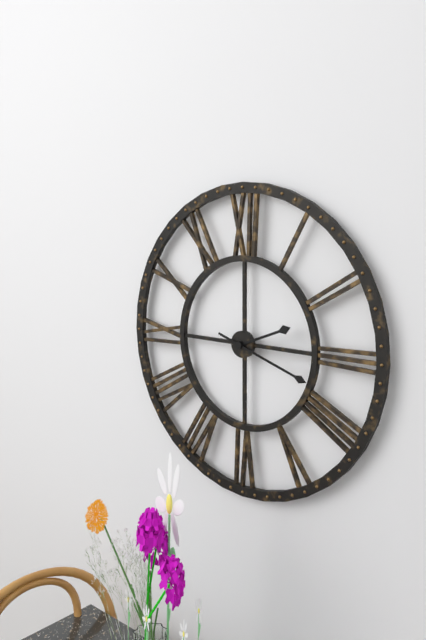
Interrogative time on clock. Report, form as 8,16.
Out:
2,18
